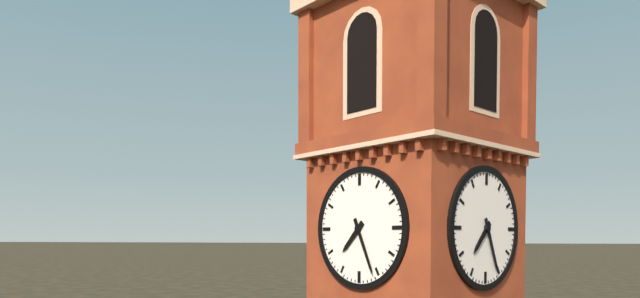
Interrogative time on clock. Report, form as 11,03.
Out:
7,26
